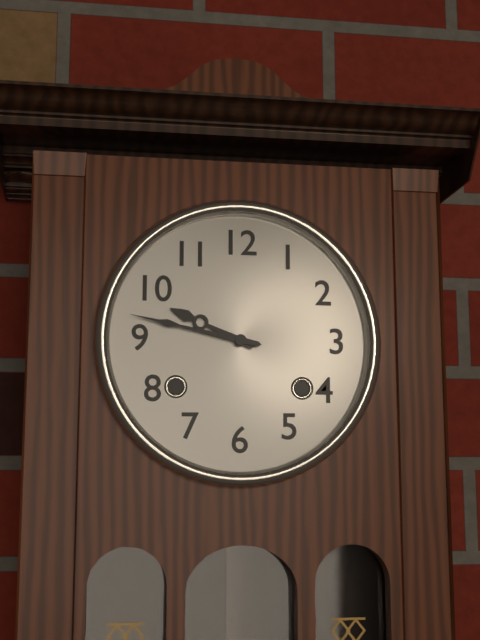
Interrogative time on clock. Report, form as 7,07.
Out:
9,47
